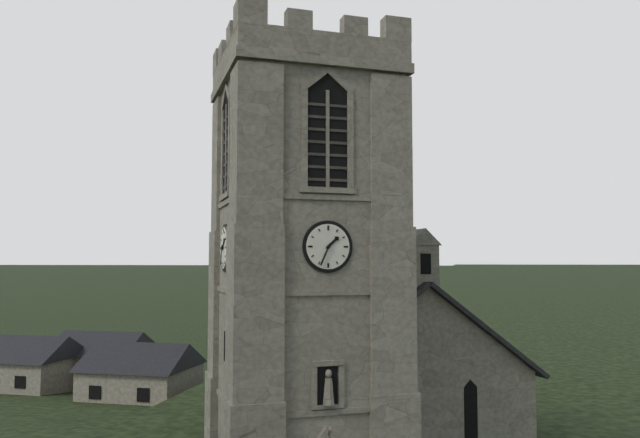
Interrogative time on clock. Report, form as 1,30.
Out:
1,34
